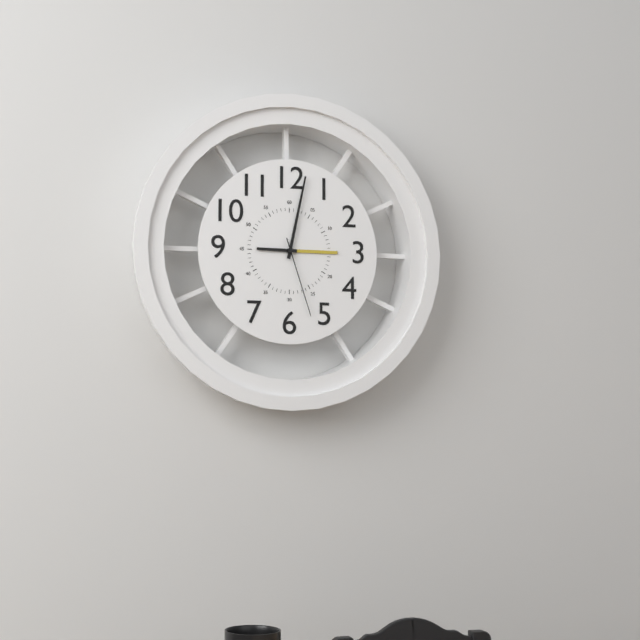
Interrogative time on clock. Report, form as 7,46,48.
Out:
9,02,27
